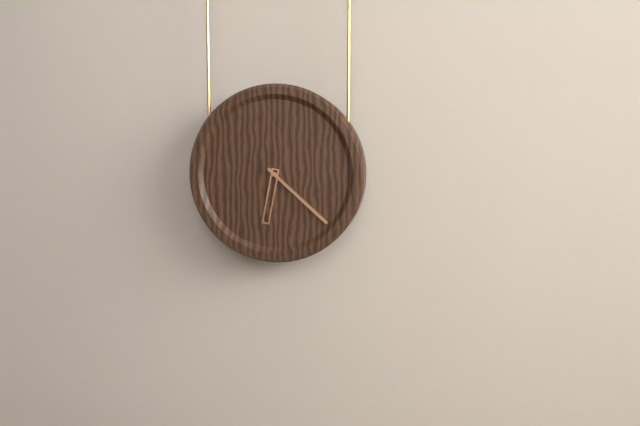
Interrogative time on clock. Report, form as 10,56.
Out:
6,22
